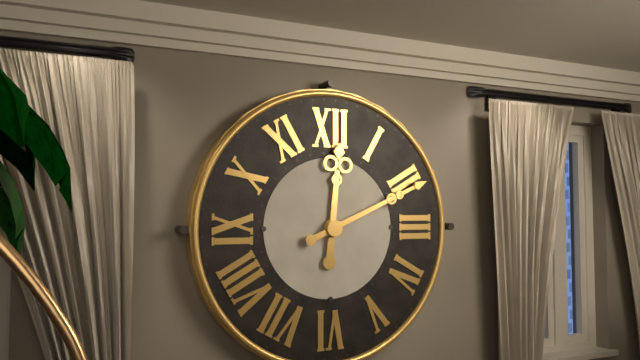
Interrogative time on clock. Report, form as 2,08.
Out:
12,11
